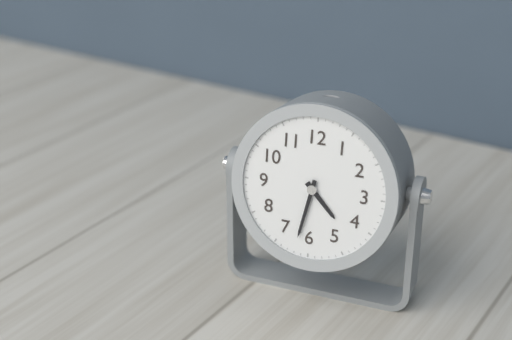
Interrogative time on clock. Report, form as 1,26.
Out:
4,32
